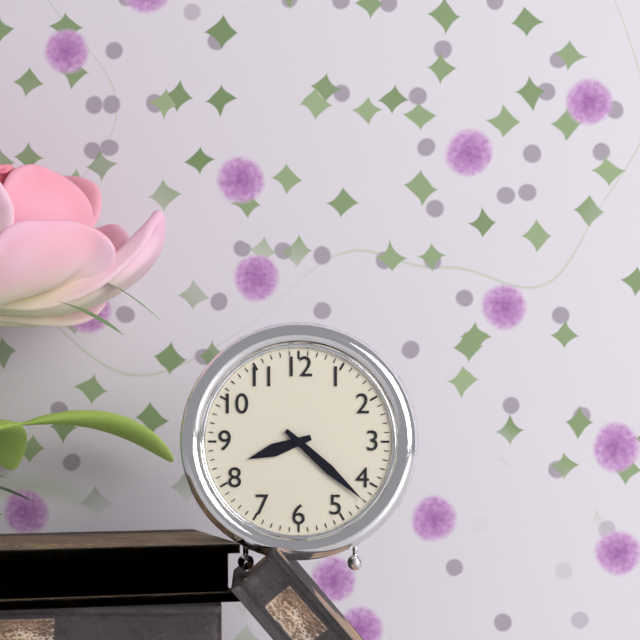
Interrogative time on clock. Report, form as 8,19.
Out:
8,22
